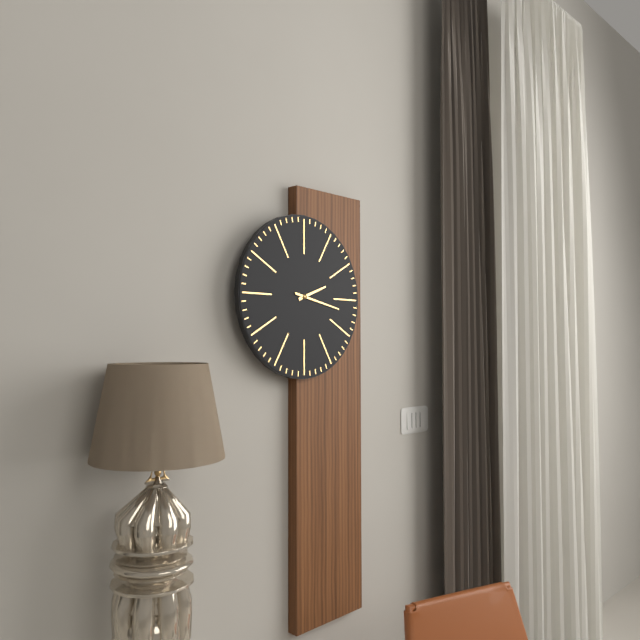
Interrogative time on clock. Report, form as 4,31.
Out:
2,17
